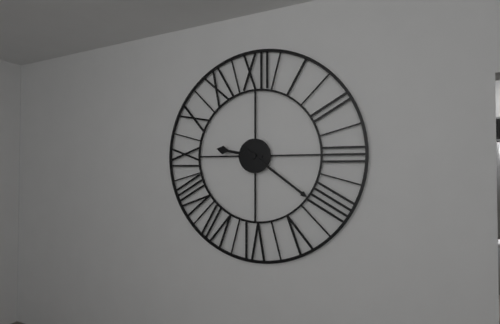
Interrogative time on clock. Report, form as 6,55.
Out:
9,21
